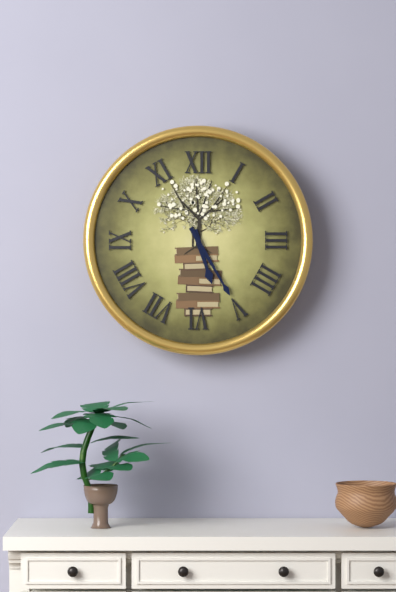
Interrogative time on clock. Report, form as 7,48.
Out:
5,25
